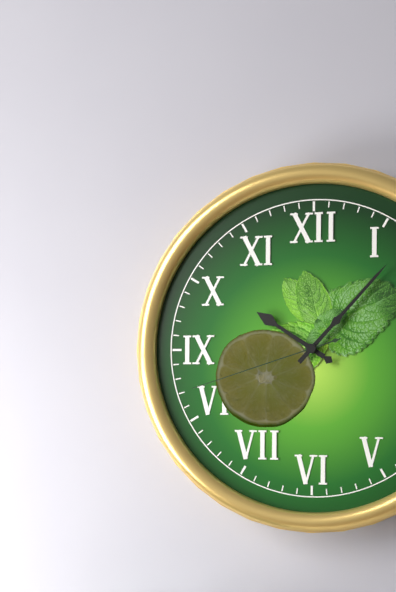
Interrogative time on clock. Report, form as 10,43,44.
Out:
10,07,42
